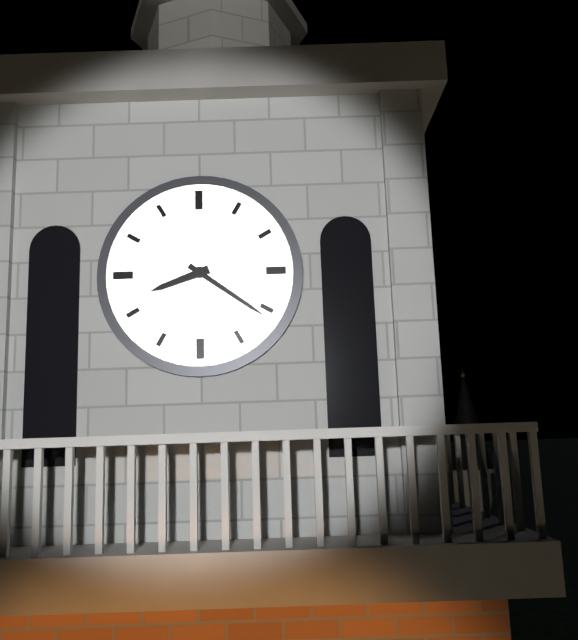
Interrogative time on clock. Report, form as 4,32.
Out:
8,21
